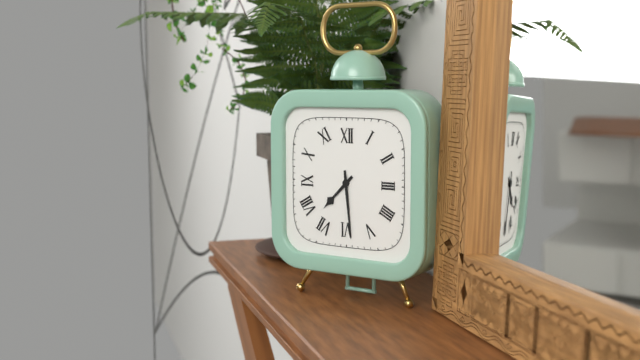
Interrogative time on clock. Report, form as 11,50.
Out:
7,29
